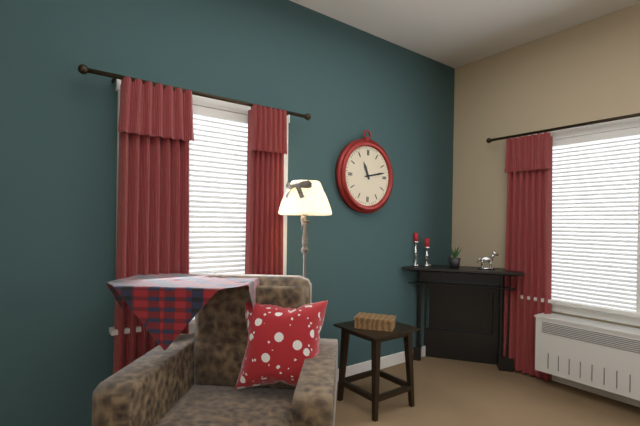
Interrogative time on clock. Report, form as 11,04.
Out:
11,13
